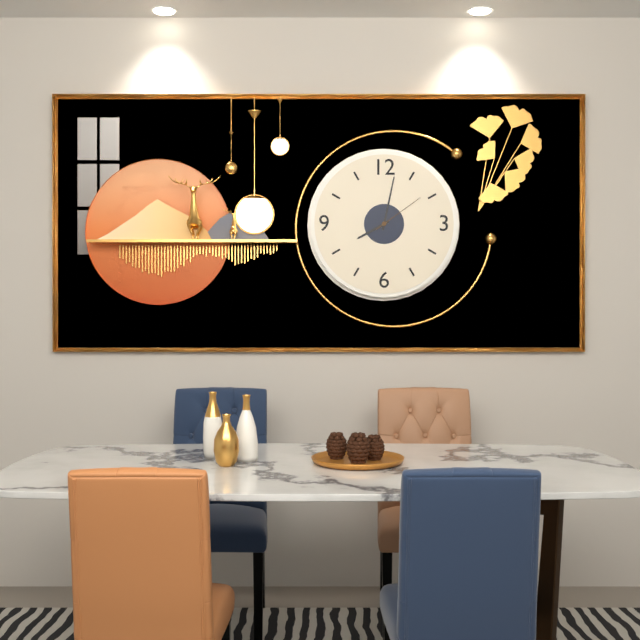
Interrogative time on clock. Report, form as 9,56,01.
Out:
8,02,09
